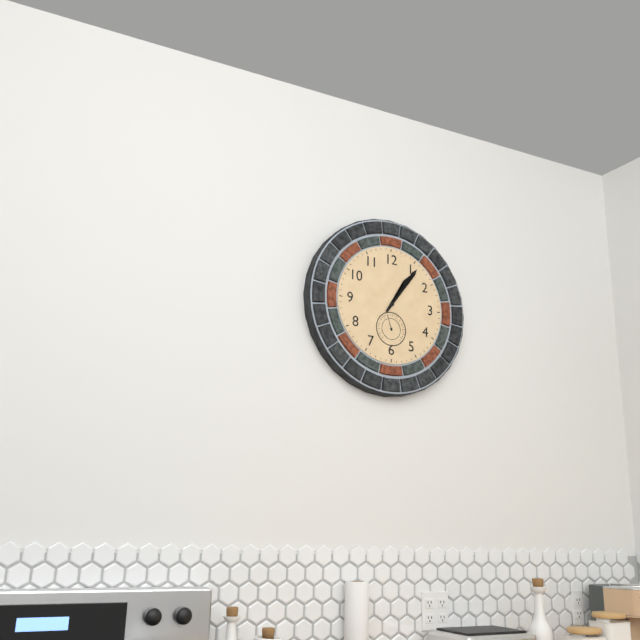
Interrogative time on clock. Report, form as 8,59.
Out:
1,06
